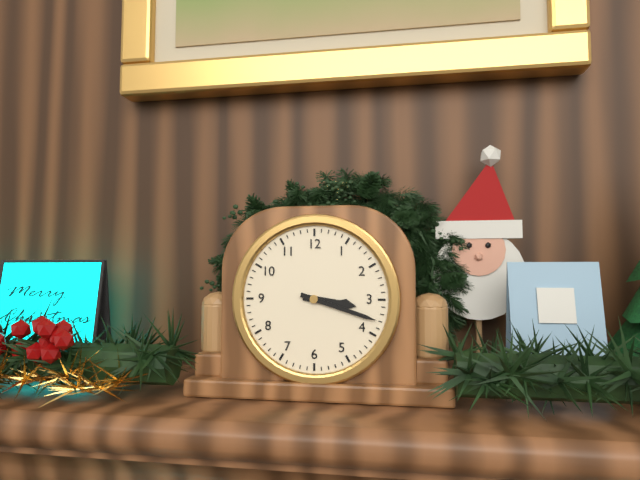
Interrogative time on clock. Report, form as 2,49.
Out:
3,18
